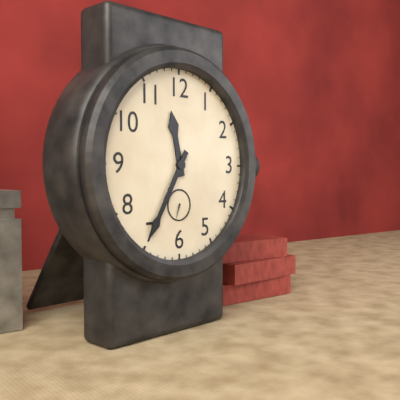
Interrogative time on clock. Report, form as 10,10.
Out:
11,35
